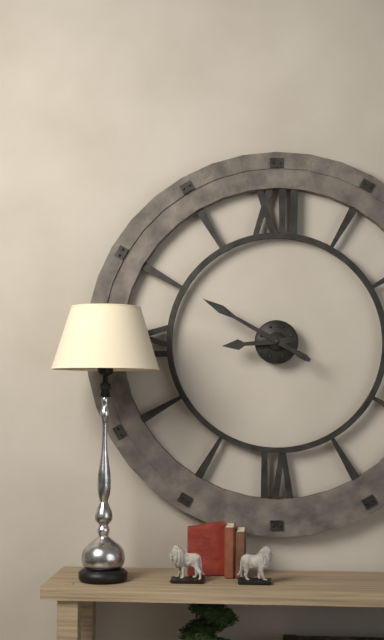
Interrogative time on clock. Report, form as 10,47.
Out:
8,50
